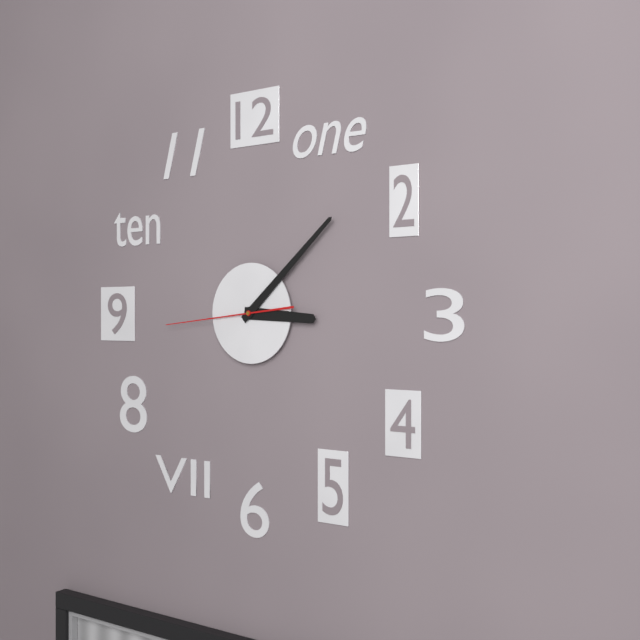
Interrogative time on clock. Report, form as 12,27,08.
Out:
3,08,44
